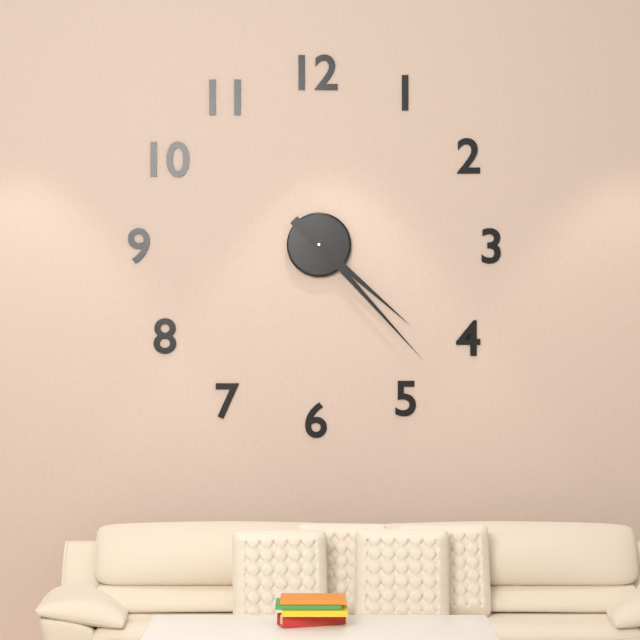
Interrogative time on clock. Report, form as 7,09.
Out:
4,23
